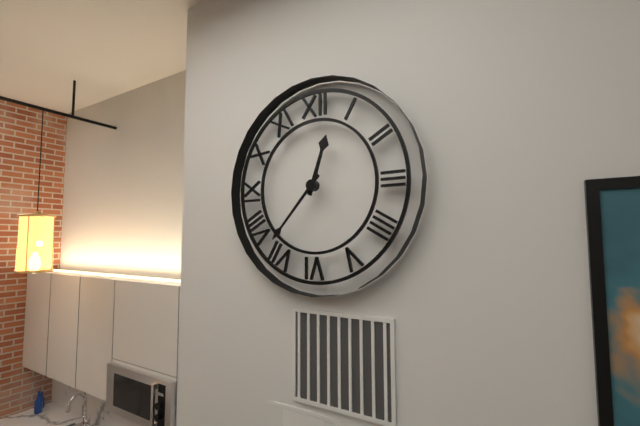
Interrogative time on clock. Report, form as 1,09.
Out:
12,37
